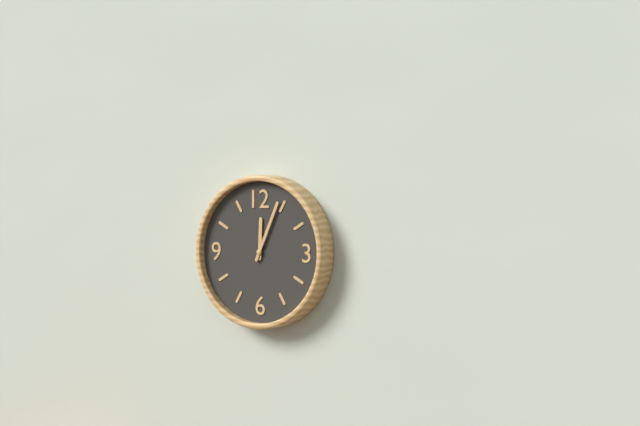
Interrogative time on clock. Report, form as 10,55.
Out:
12,04
